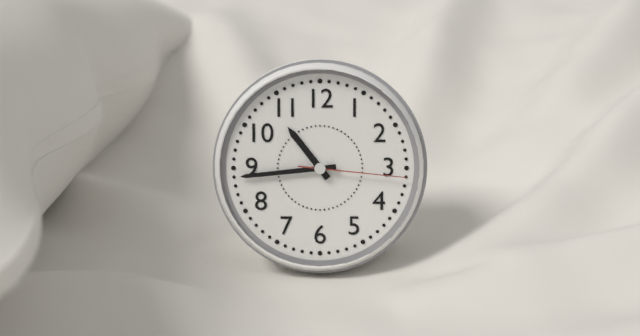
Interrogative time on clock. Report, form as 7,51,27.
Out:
10,44,16
